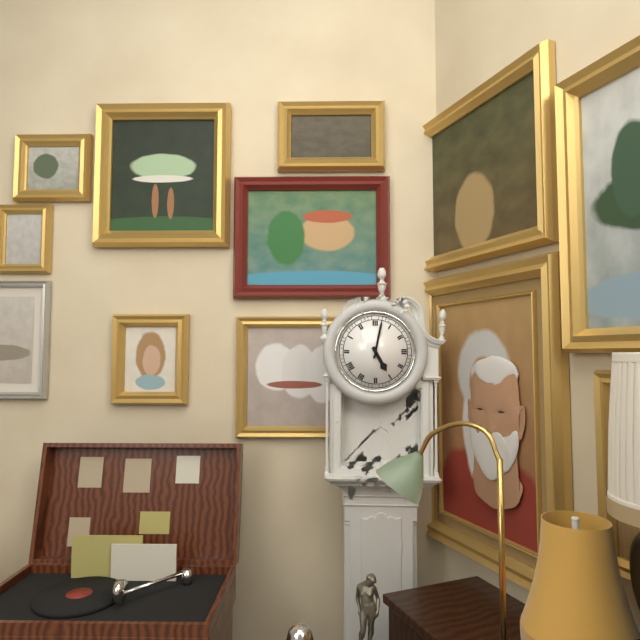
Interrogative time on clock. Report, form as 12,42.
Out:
5,02
